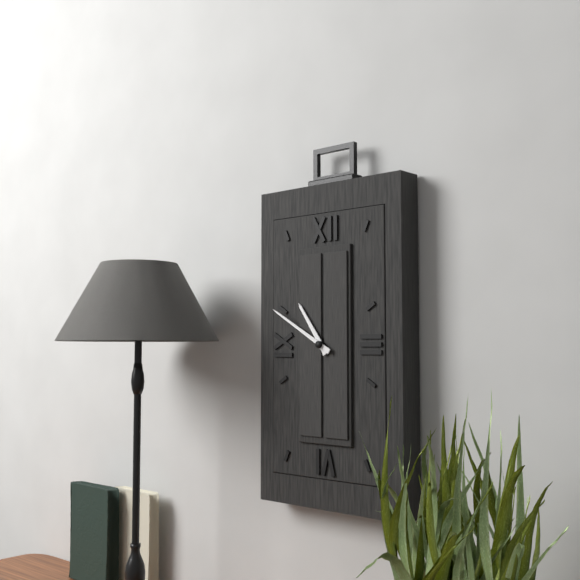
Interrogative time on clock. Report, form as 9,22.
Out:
10,50
